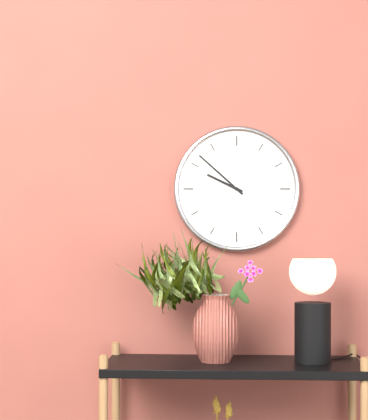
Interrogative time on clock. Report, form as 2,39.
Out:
9,52
